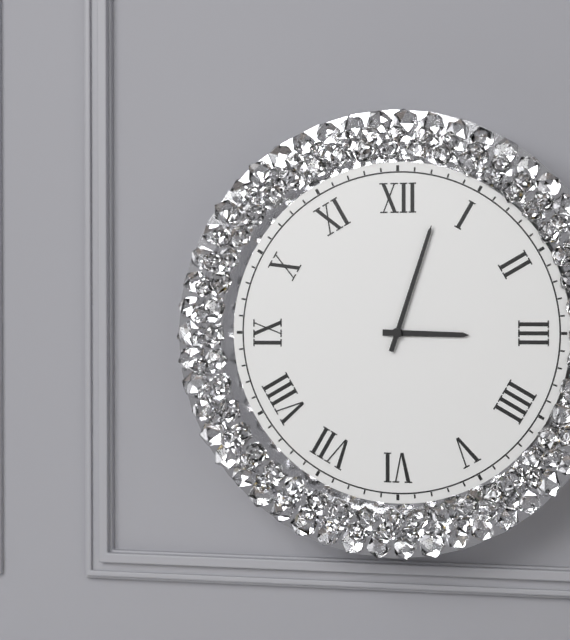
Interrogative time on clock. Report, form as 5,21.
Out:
3,03
